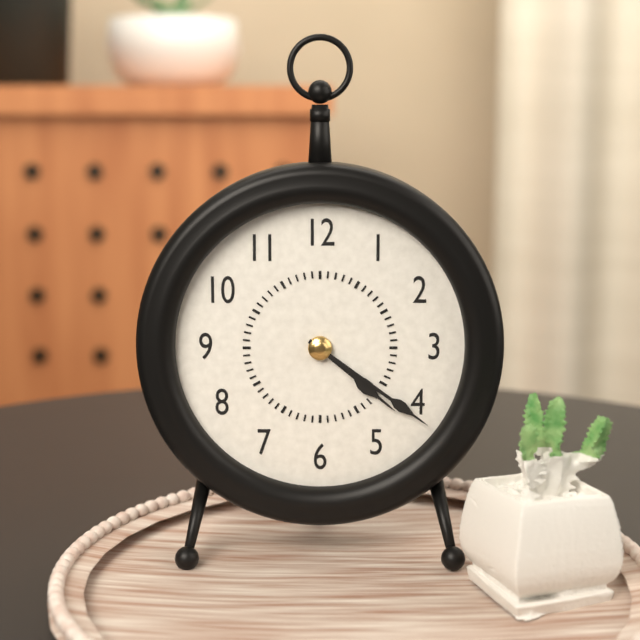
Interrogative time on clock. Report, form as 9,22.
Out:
4,21
